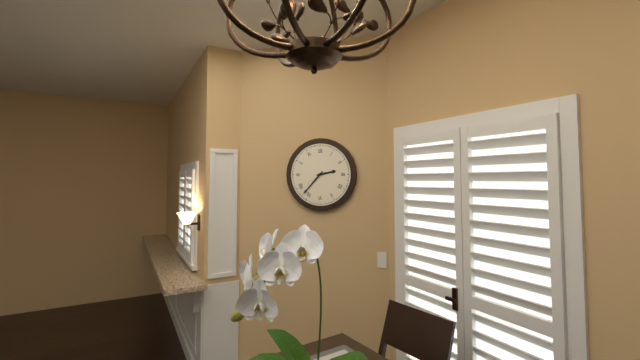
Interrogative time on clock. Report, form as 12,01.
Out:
2,37
